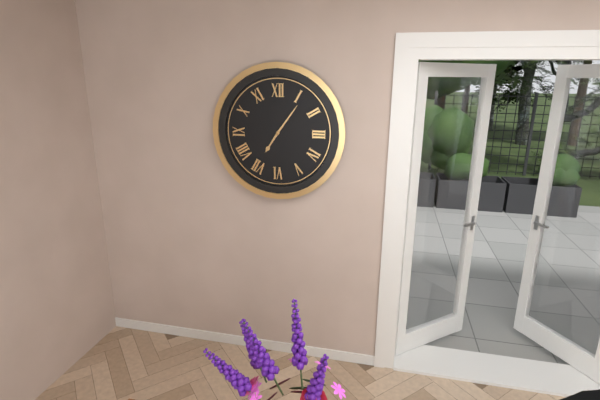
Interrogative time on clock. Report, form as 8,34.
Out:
7,06
